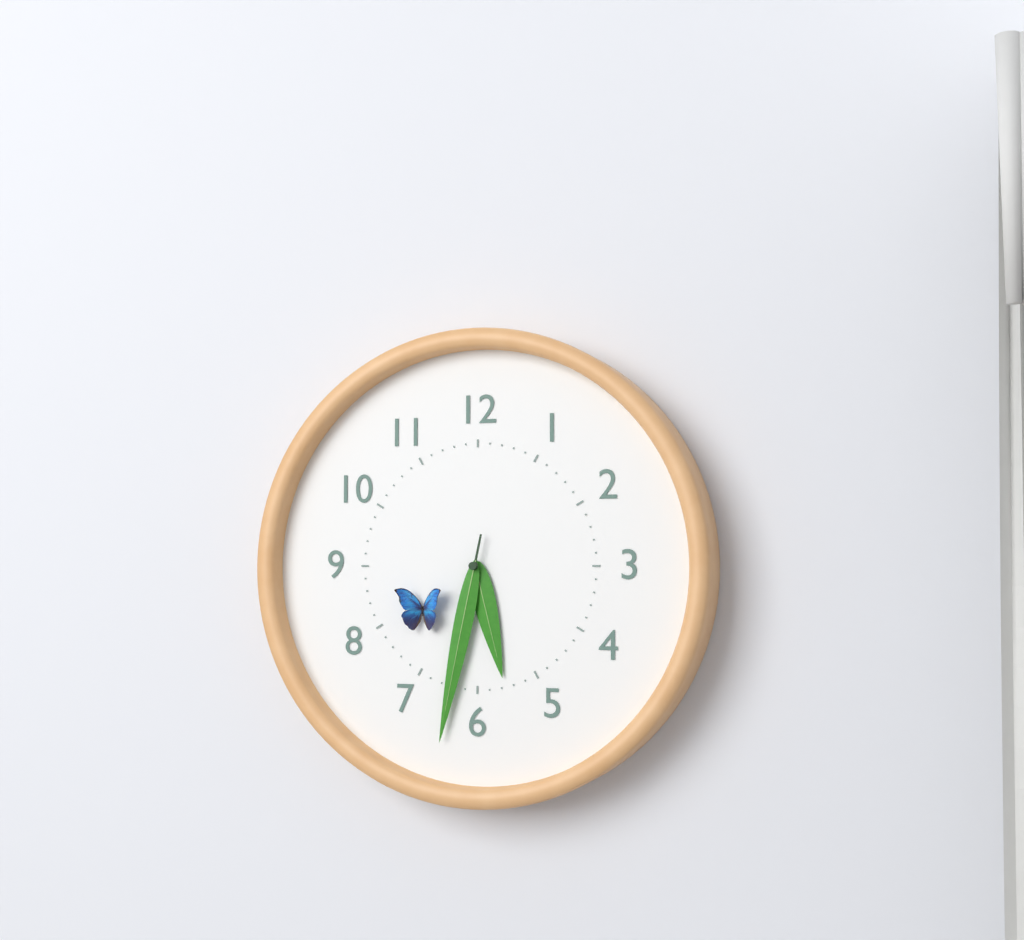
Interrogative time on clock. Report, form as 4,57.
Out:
5,32
